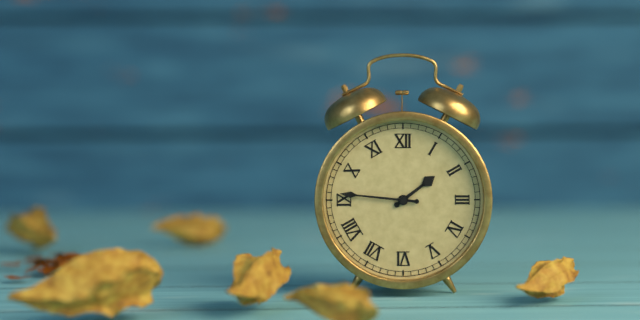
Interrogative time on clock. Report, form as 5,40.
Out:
1,46
